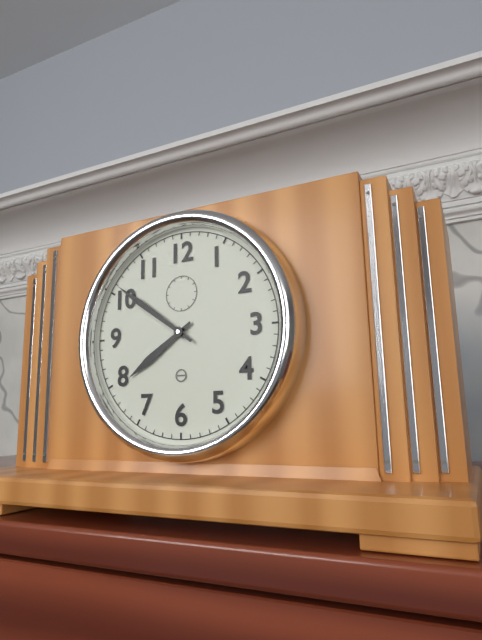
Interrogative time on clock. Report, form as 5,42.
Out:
7,51
